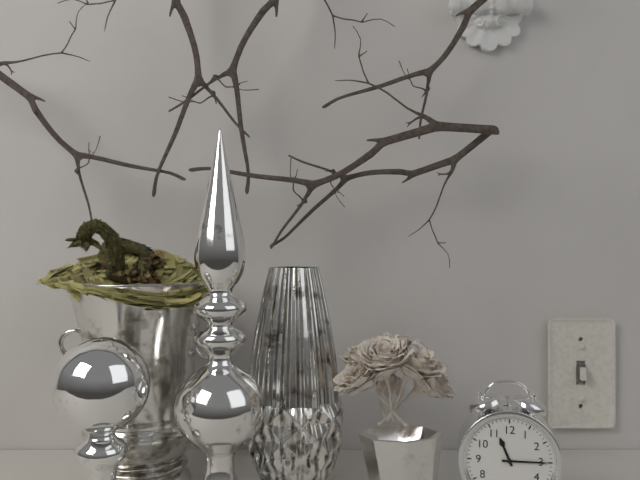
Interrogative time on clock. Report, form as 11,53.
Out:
11,15
